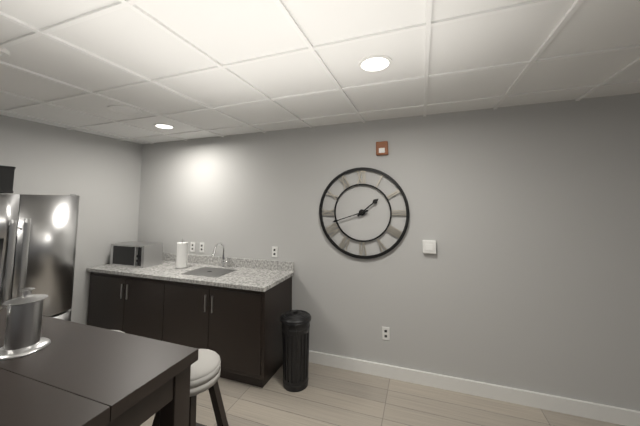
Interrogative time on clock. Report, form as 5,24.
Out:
1,42
